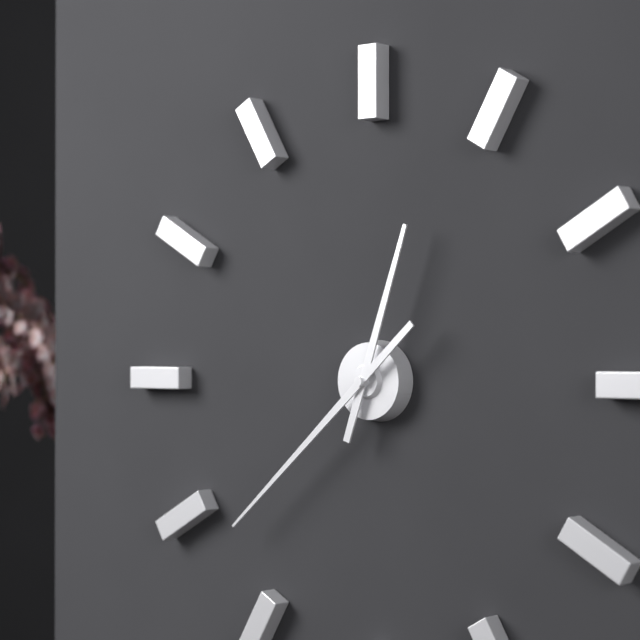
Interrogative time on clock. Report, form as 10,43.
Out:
12,38
